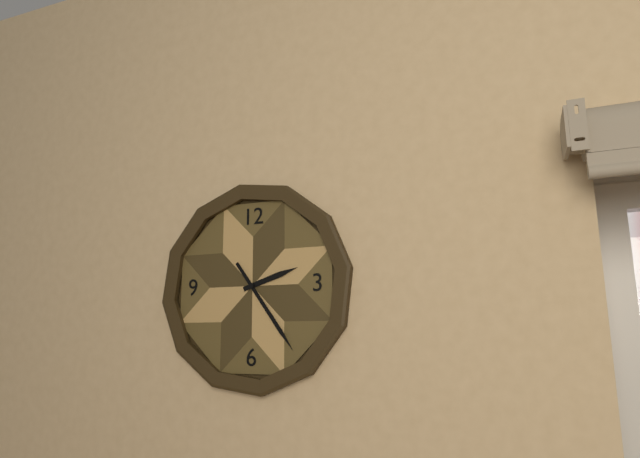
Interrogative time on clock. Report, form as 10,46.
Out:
2,24
